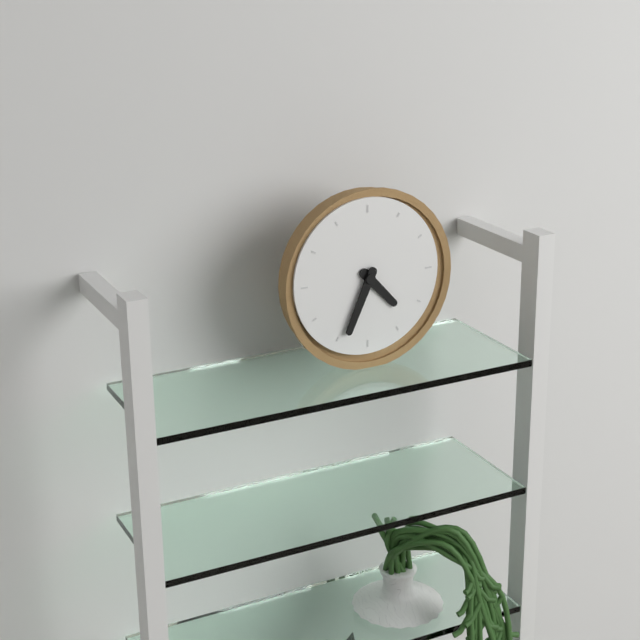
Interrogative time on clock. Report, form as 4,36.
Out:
4,34
